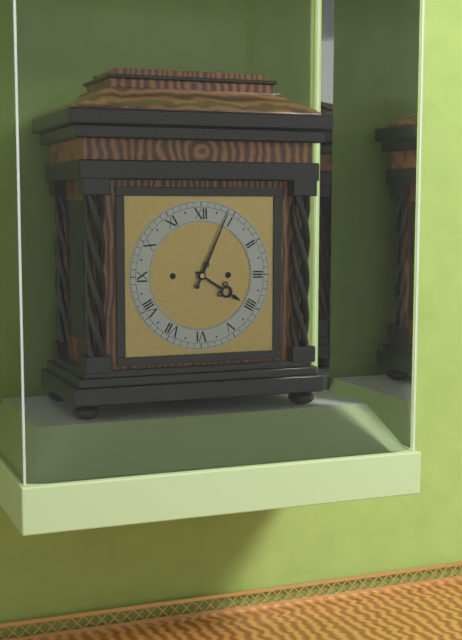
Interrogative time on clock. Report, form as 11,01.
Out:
4,04
